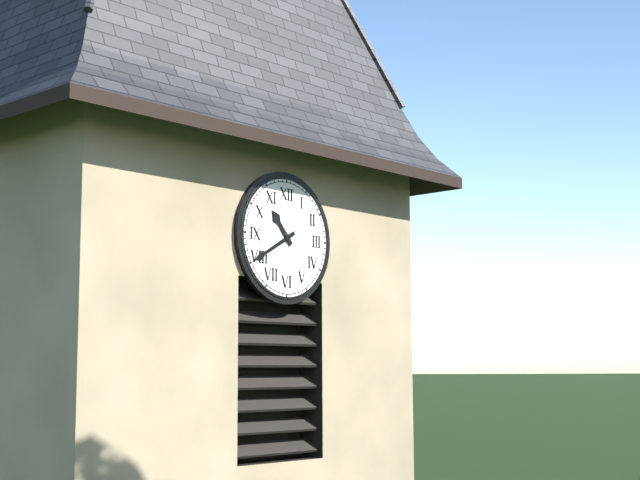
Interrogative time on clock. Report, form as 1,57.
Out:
10,40
